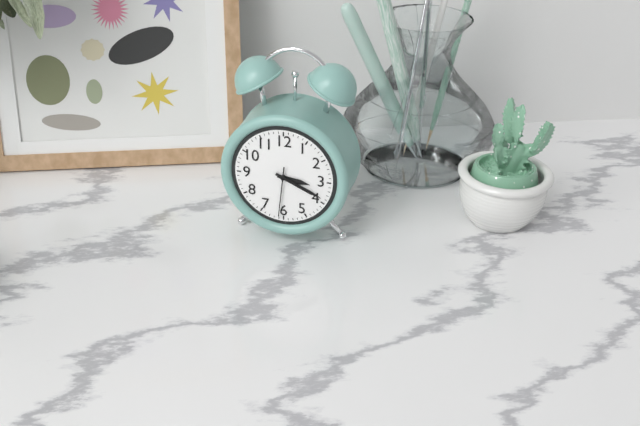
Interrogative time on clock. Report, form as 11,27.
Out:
3,19
